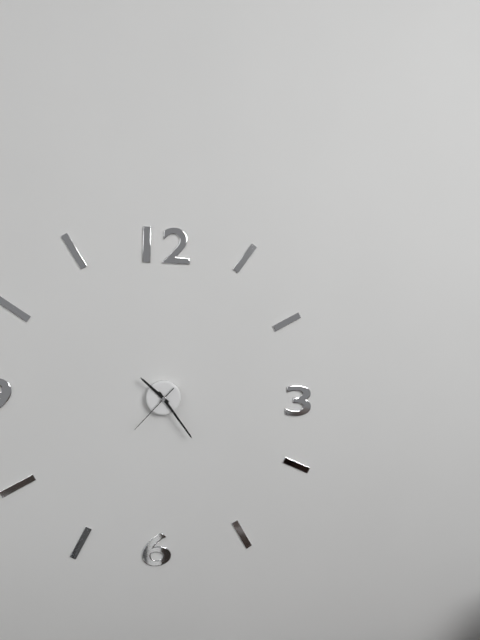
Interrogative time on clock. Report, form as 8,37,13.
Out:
10,24,37
